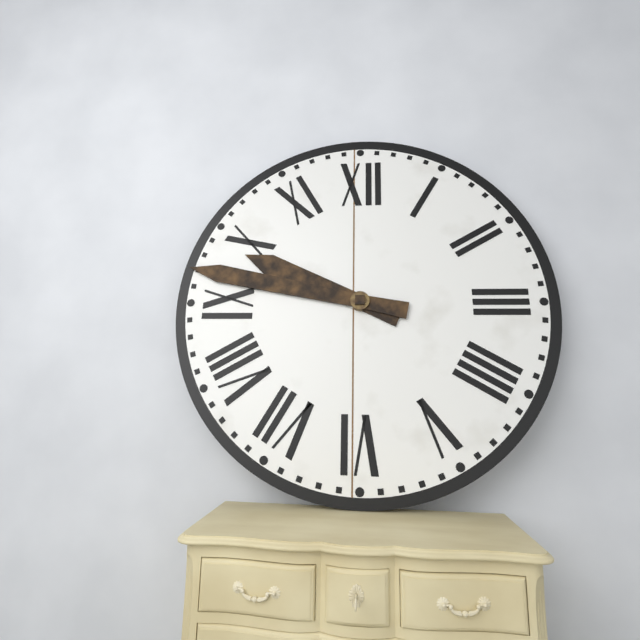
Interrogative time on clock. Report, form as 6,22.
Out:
9,47
